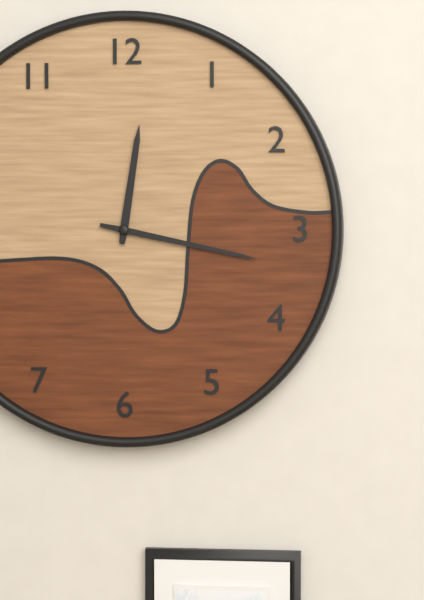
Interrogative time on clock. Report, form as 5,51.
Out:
12,17
